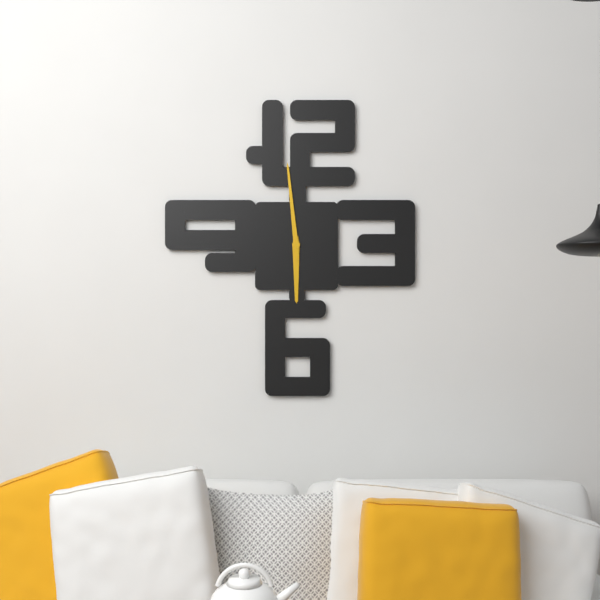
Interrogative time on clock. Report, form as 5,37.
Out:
5,59
